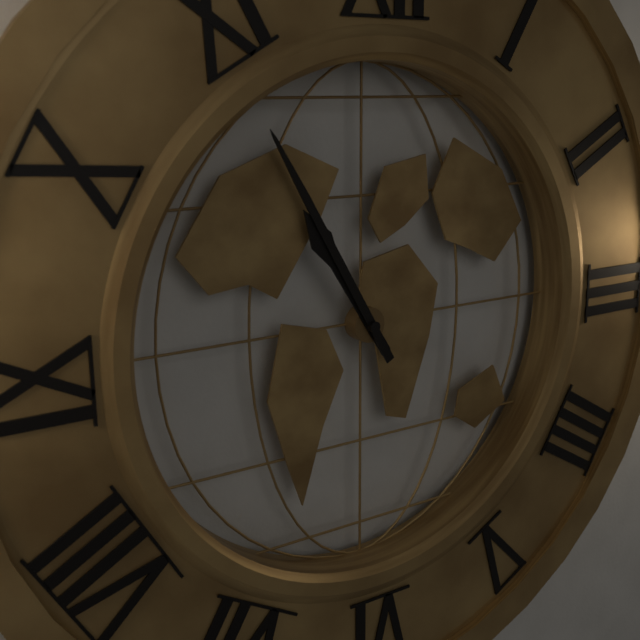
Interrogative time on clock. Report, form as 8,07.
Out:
10,55
